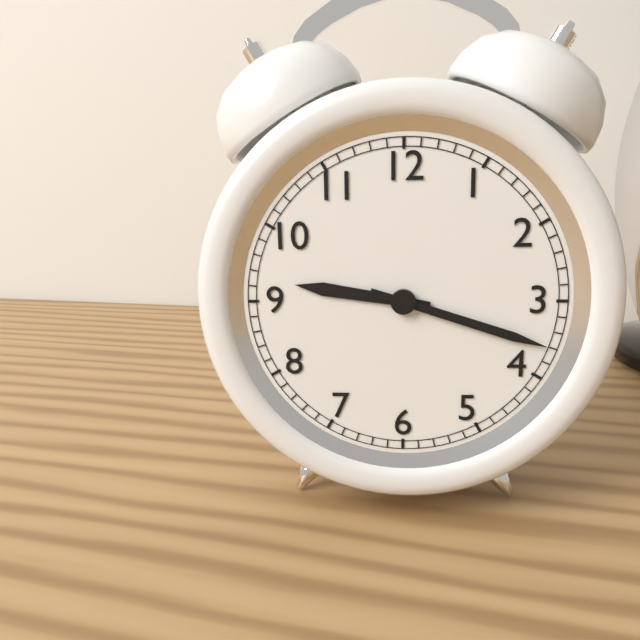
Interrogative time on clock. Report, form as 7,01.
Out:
9,18
